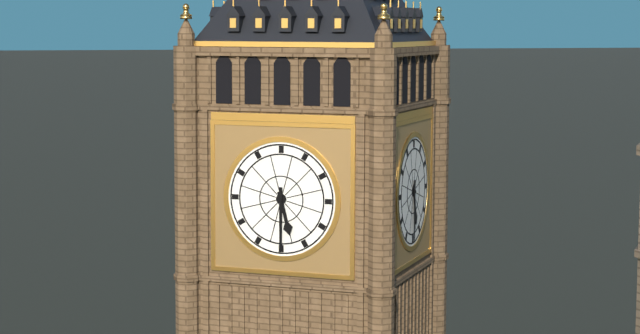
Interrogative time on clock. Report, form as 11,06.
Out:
5,30
